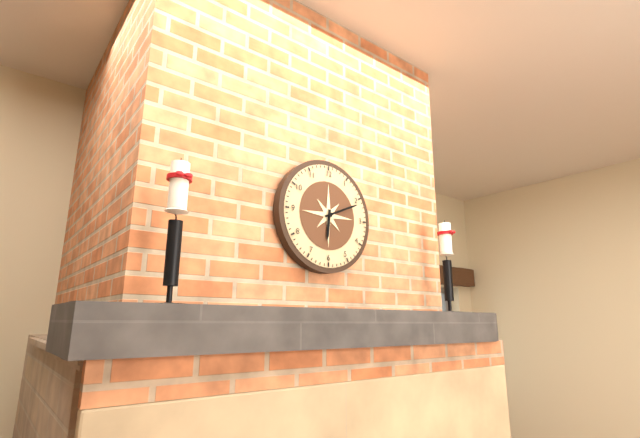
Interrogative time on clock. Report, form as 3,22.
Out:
6,11
